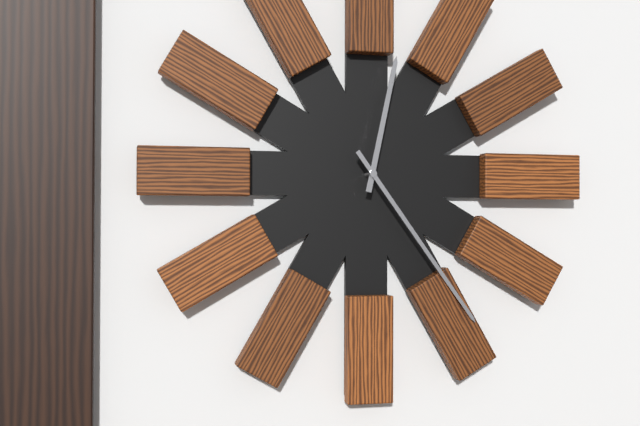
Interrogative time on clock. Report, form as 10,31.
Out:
12,24
